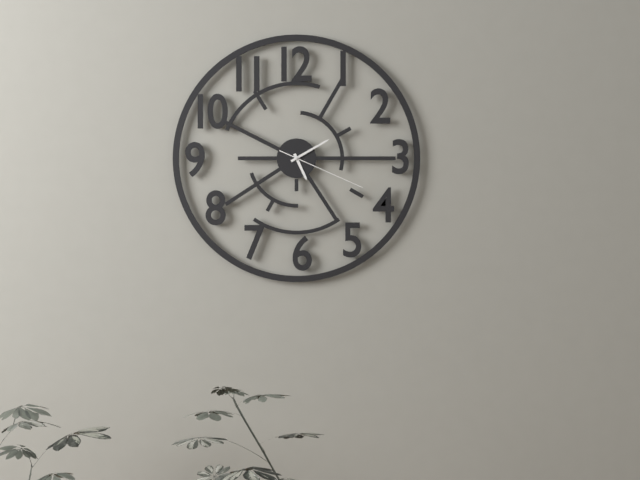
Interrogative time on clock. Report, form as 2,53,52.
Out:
5,10,19
